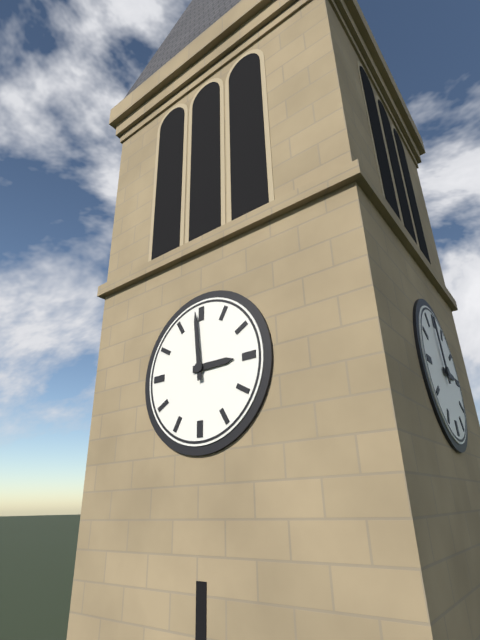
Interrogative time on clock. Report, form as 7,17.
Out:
2,59
